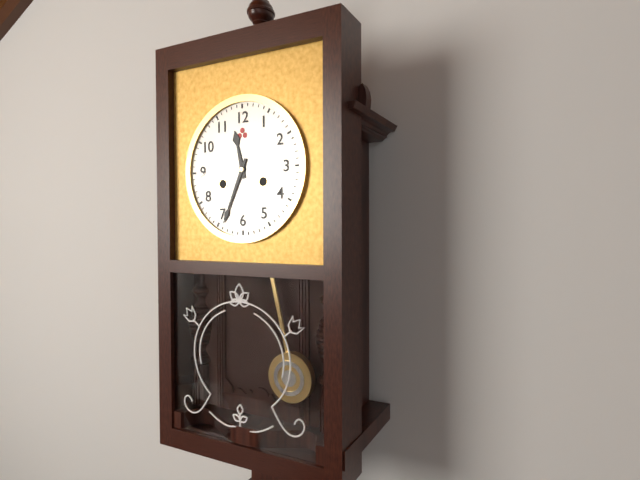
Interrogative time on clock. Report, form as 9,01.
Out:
11,34
